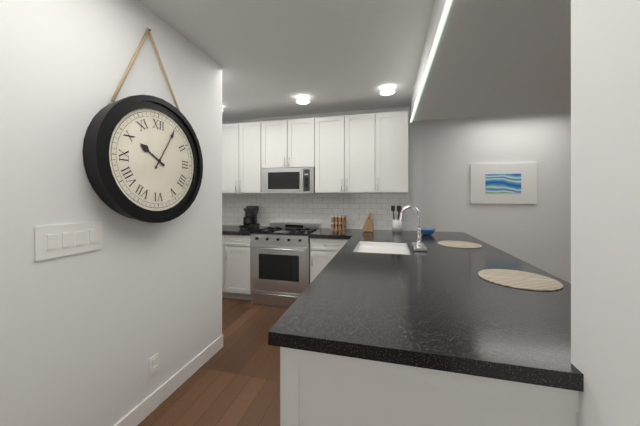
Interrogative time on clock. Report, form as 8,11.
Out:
10,05
